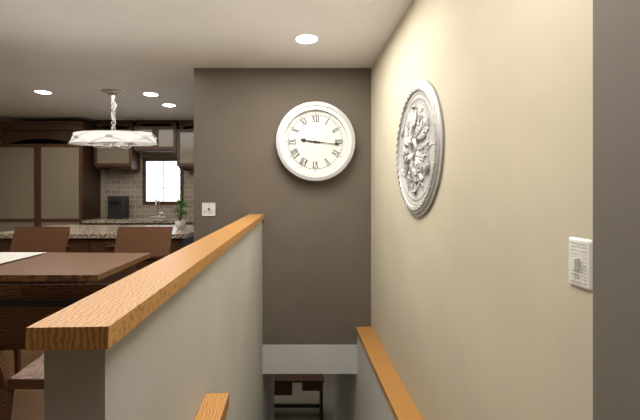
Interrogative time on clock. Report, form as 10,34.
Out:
9,16
